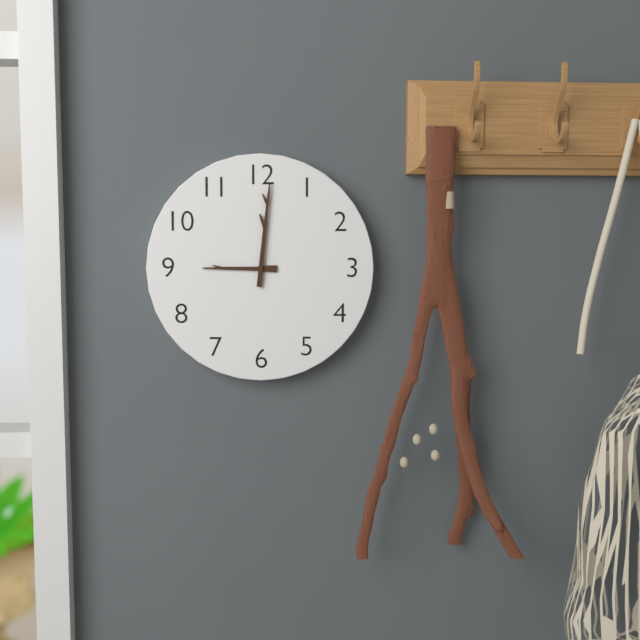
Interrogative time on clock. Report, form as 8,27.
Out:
9,01
